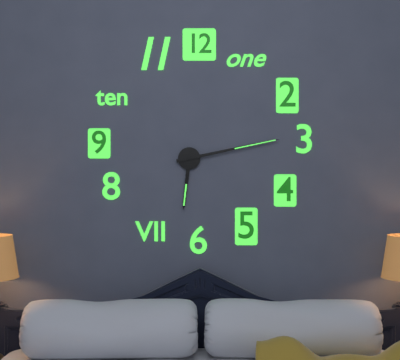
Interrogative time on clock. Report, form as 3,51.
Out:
6,13
